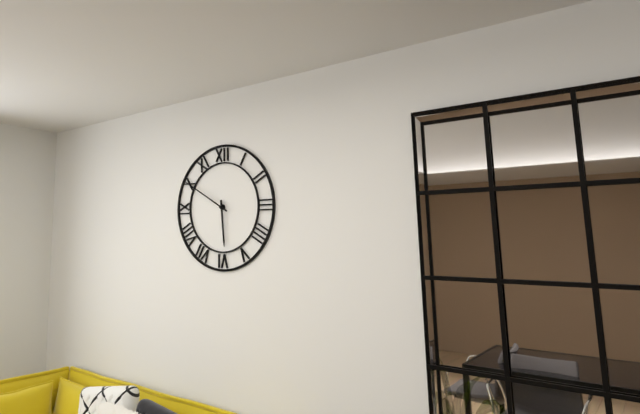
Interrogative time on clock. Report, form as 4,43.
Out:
5,50
